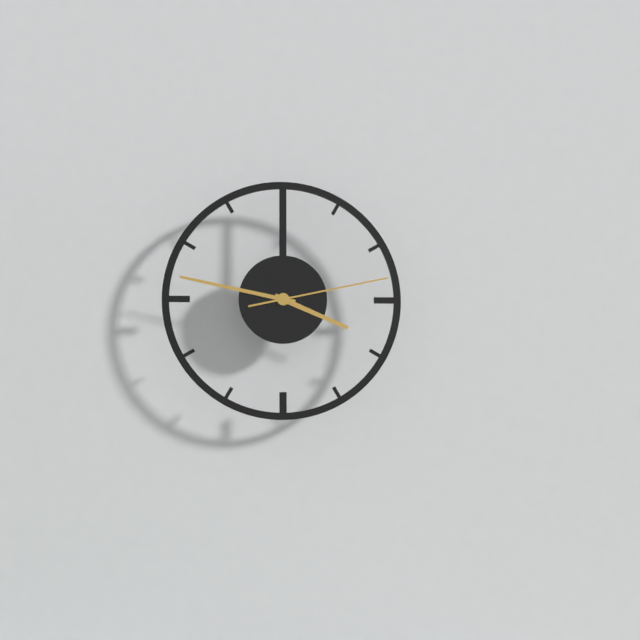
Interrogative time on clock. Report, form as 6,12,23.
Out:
3,47,13
